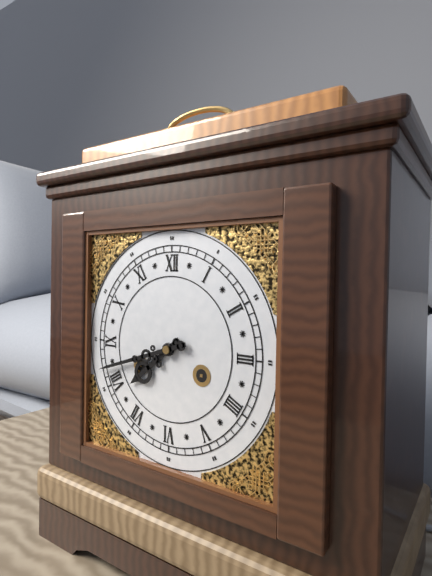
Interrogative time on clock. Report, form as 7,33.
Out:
7,42
